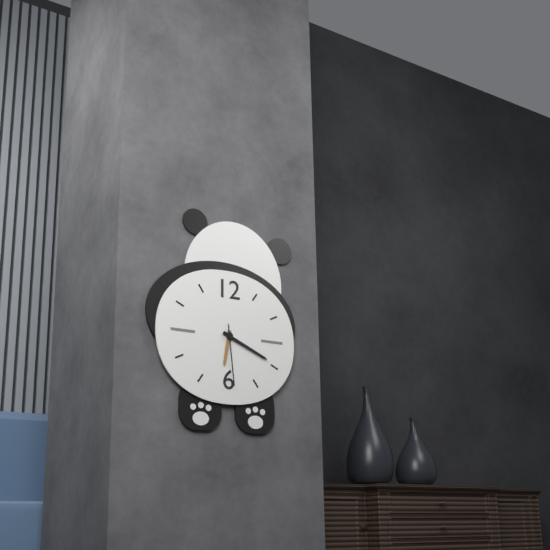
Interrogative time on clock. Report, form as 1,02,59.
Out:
6,19,29
